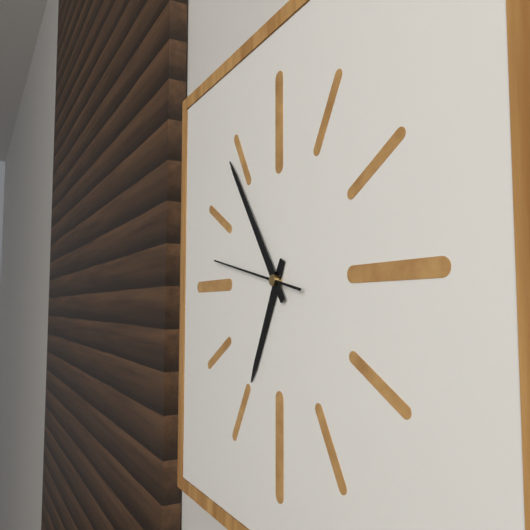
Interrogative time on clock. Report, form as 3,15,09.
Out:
6,54,47
